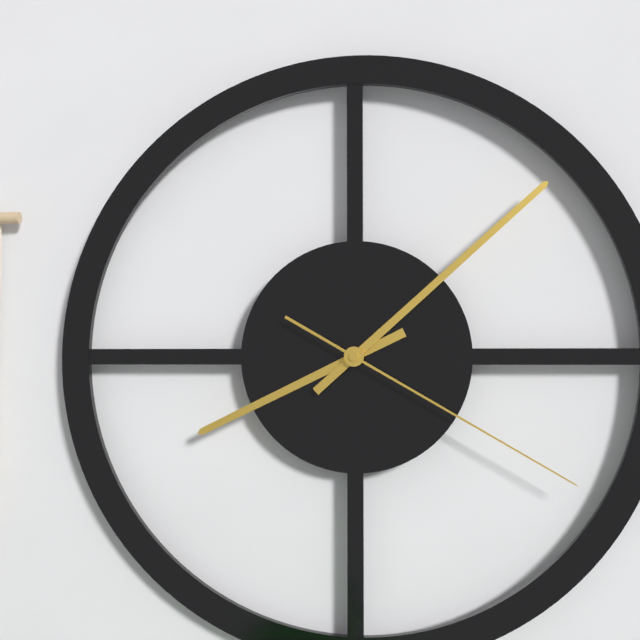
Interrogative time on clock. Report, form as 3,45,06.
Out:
8,08,20
